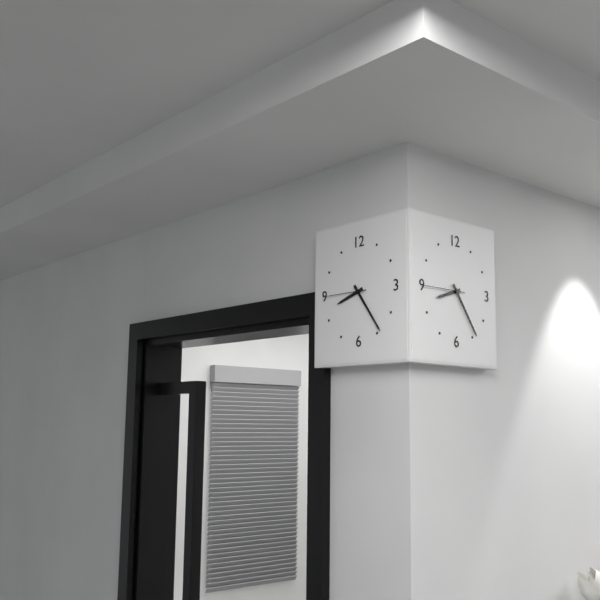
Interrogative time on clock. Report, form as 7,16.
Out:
8,24
